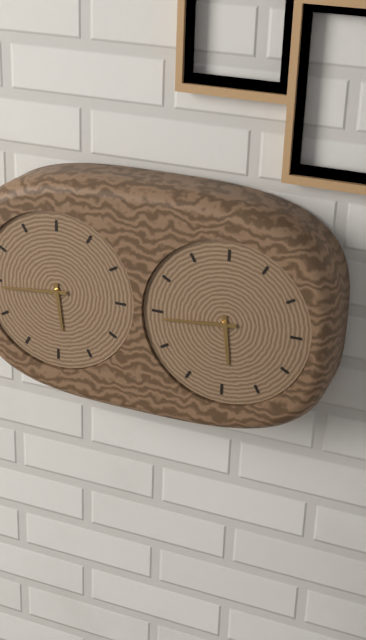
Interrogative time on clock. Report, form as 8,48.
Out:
5,44
